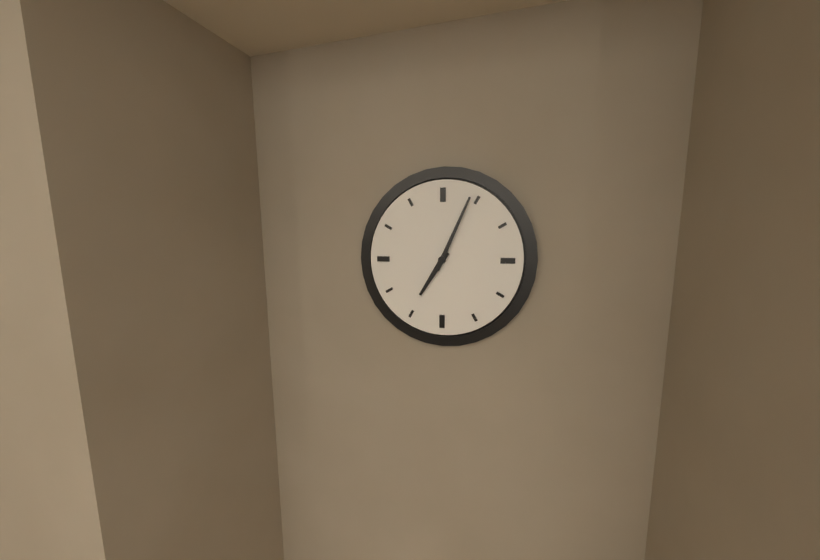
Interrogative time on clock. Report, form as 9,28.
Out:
7,04
